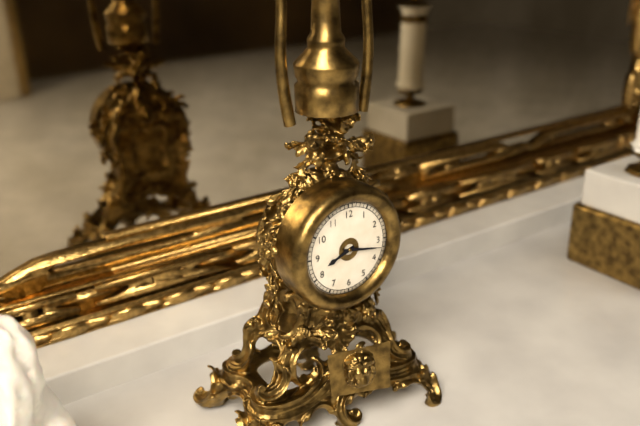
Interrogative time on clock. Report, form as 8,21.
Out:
8,17
